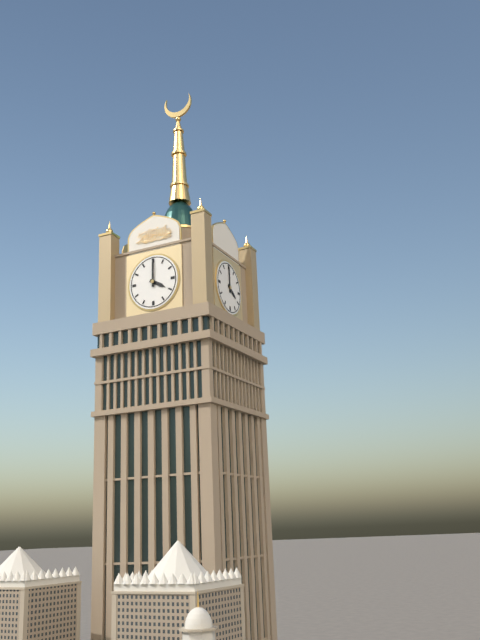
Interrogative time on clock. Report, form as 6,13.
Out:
4,00
